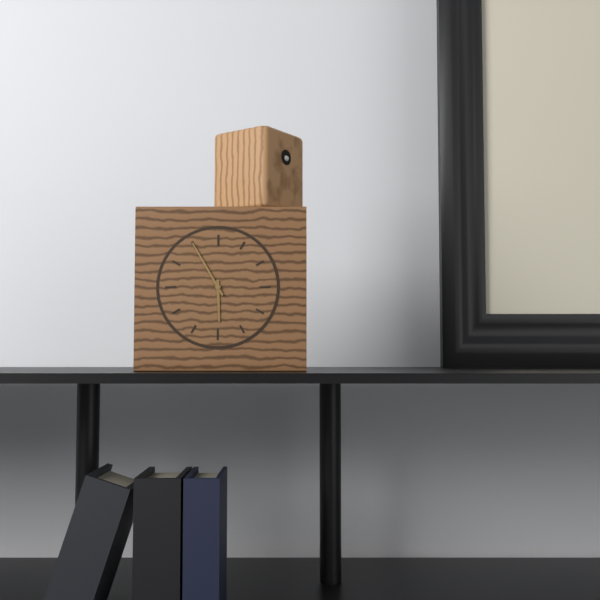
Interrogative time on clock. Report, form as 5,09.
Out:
5,55
